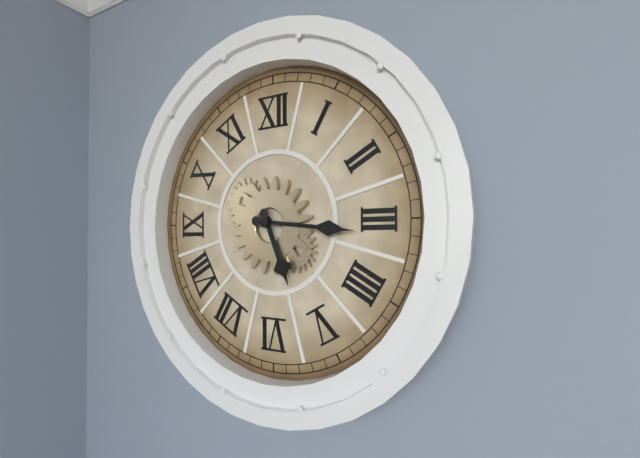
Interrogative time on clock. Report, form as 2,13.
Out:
5,16
